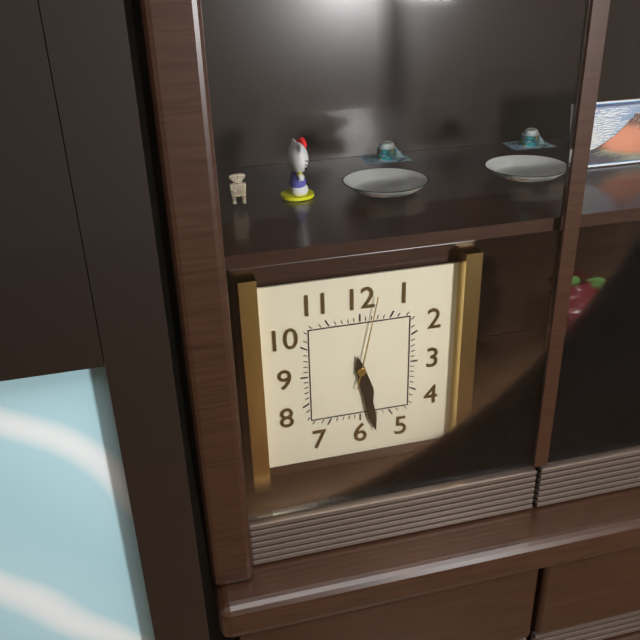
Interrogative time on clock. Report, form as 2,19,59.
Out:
5,28,02
